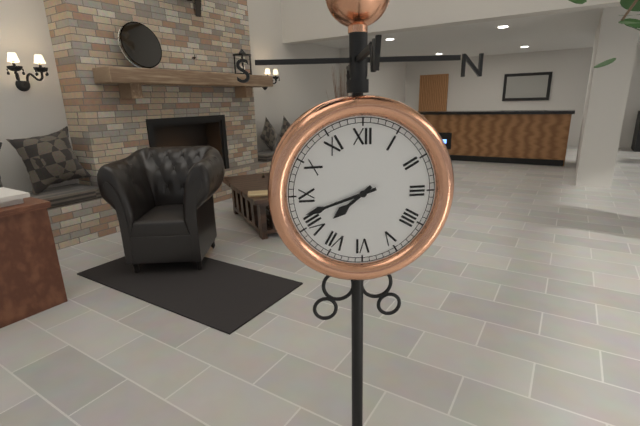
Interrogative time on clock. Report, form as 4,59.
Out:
7,42
